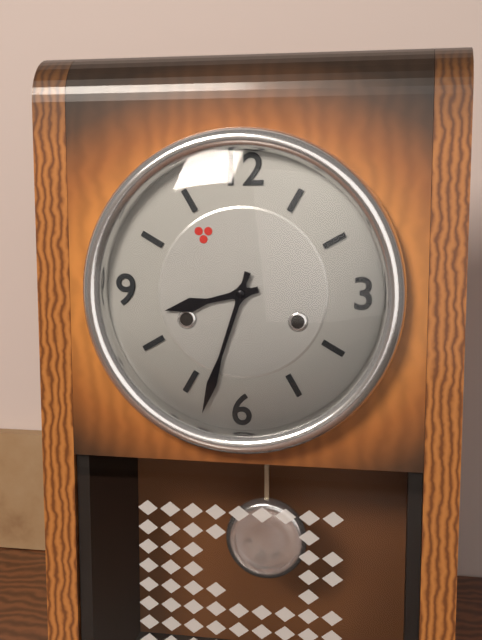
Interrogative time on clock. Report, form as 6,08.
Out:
8,33
